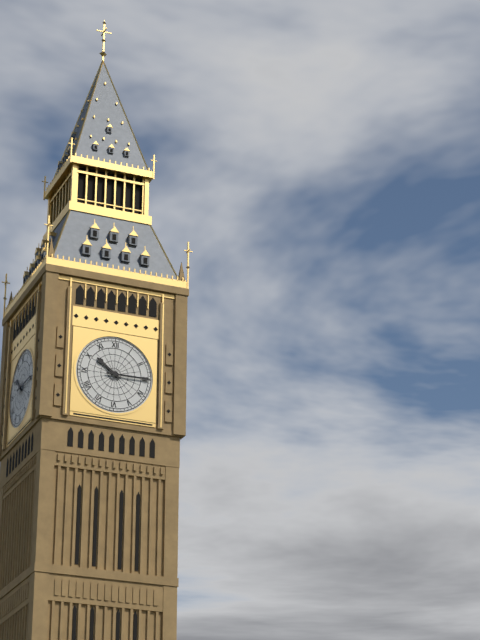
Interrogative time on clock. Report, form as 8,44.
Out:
10,15
